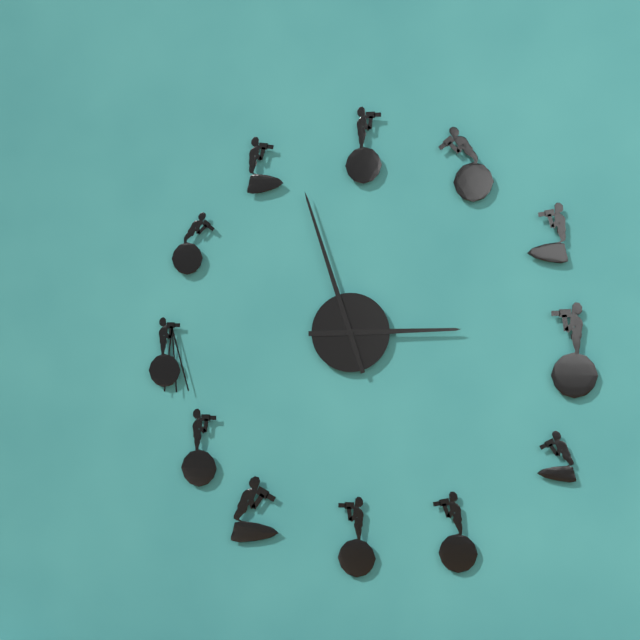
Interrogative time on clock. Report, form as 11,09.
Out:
2,57
